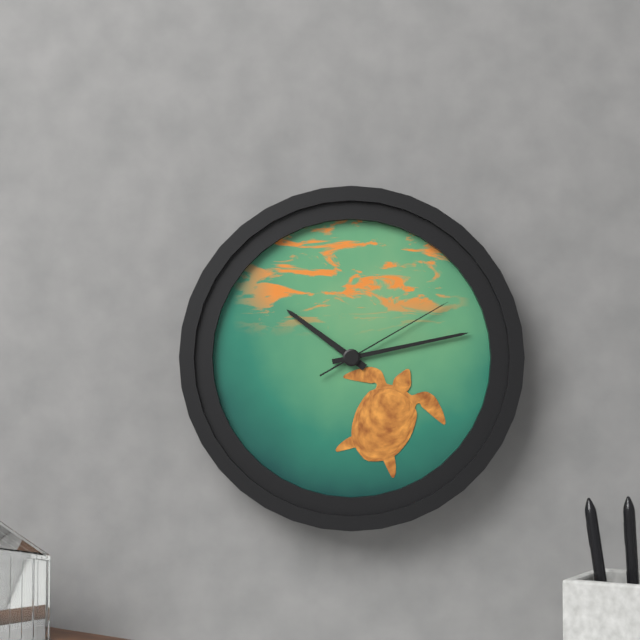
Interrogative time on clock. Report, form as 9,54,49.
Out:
10,13,10
